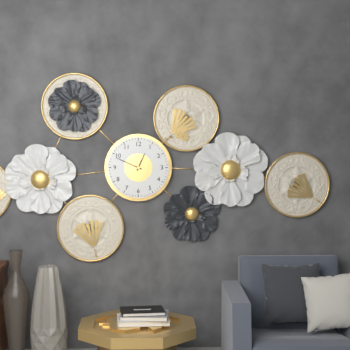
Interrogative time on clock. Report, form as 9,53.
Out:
12,49
